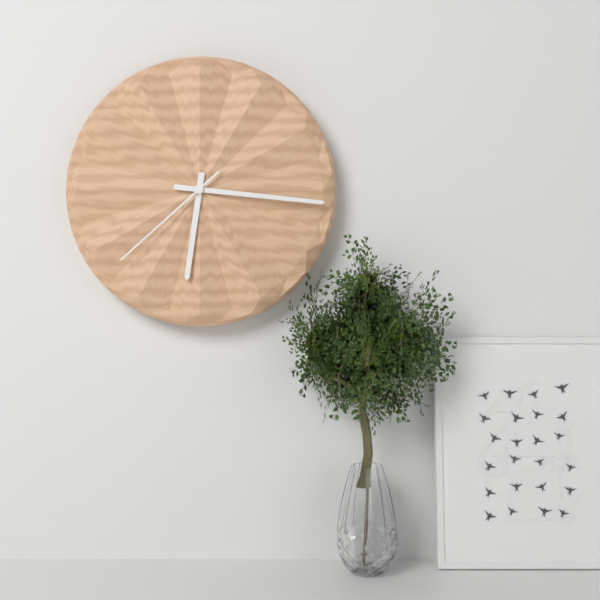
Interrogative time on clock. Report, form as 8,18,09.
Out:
6,16,38
